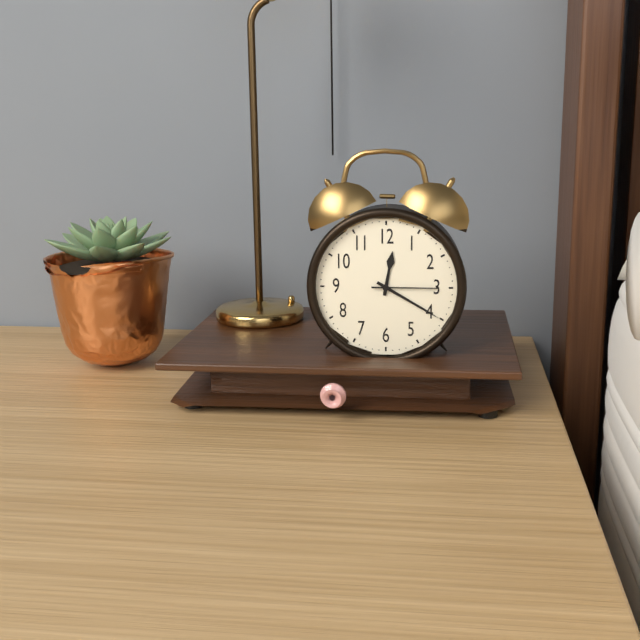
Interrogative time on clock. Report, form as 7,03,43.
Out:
12,20,15
